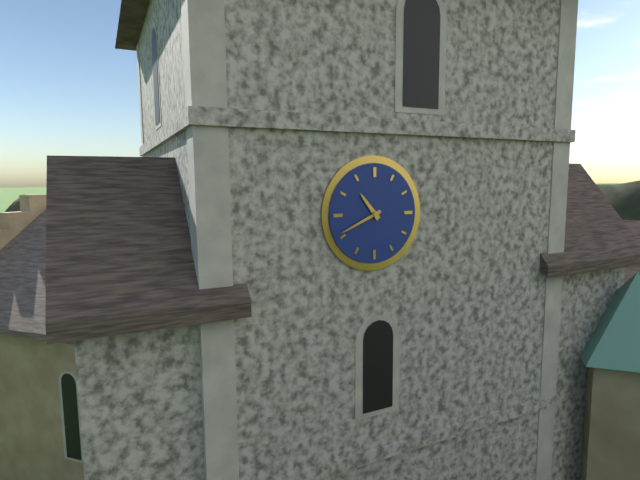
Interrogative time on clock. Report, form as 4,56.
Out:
10,41
